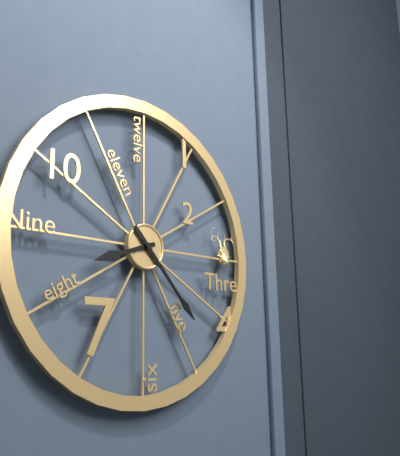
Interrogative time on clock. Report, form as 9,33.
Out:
8,23
